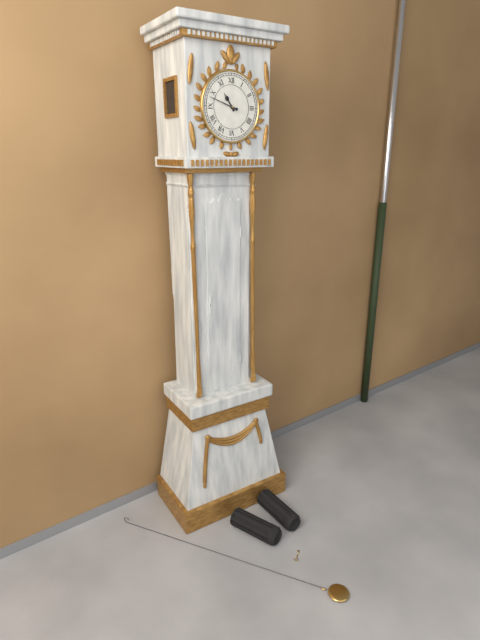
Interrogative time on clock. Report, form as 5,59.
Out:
10,48
